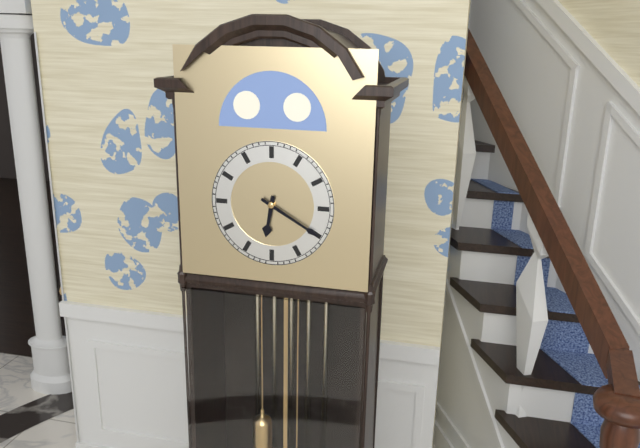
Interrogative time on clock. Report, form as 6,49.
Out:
6,20
